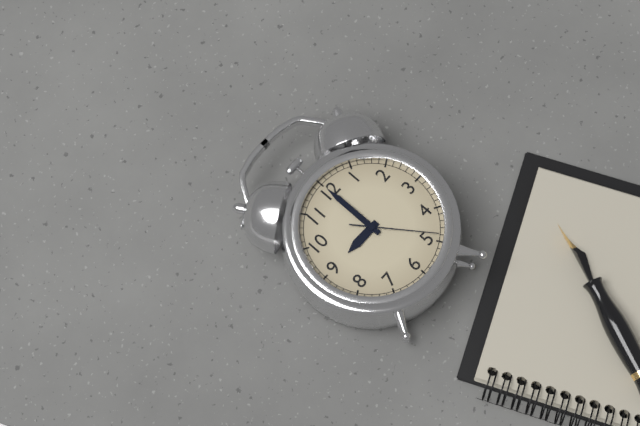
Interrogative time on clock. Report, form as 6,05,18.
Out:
9,00,24
